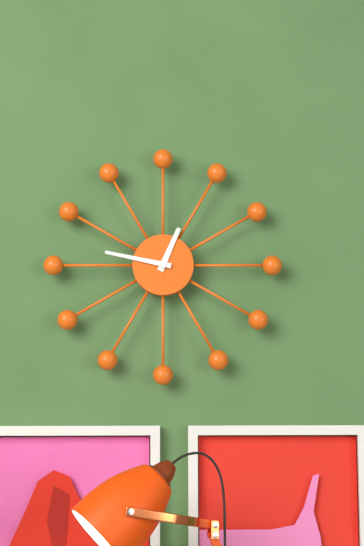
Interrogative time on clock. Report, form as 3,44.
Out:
12,47
